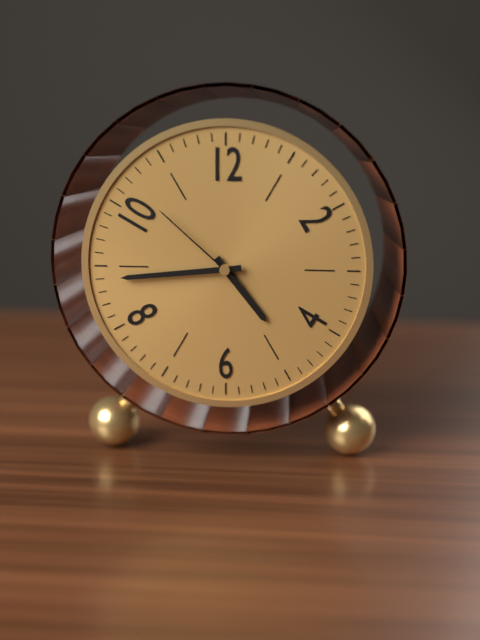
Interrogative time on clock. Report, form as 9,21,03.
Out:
4,44,52
